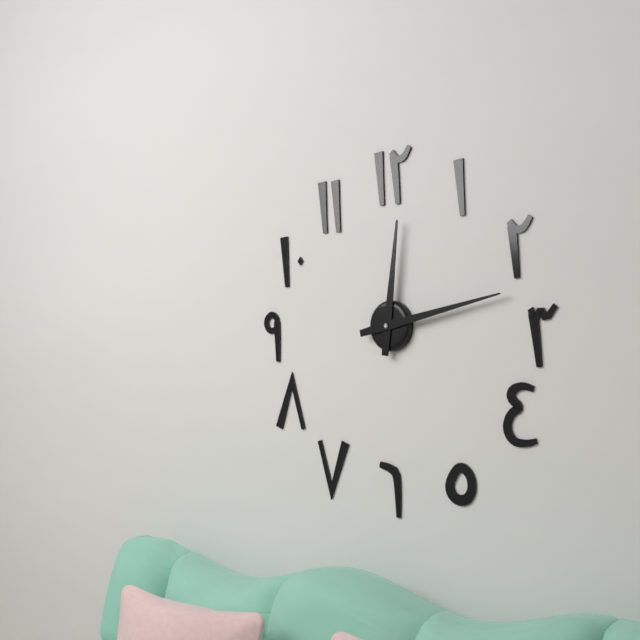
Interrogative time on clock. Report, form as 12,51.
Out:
12,13
